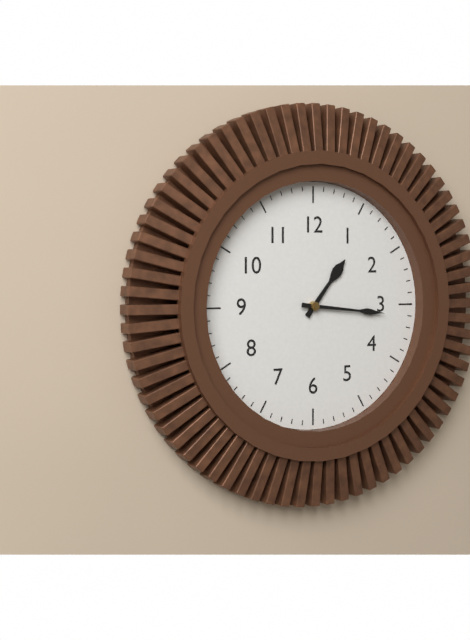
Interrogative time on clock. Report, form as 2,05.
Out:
1,16
